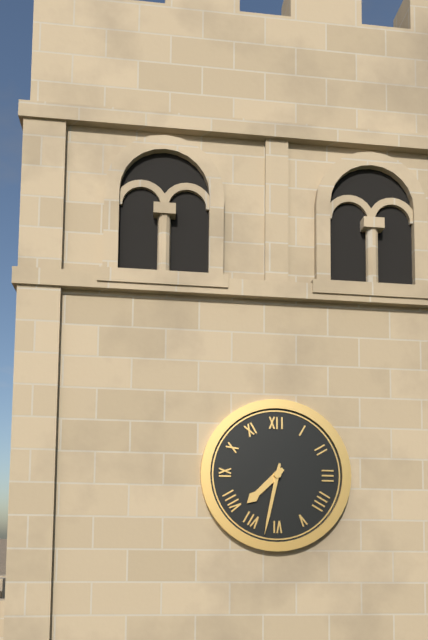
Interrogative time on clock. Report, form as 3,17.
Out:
7,32
